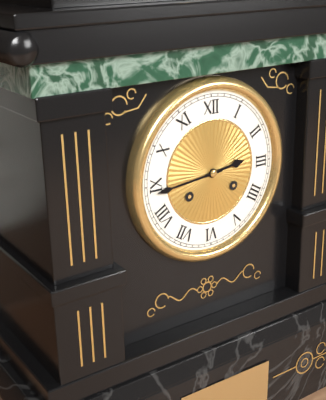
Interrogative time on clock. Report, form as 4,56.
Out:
2,44
